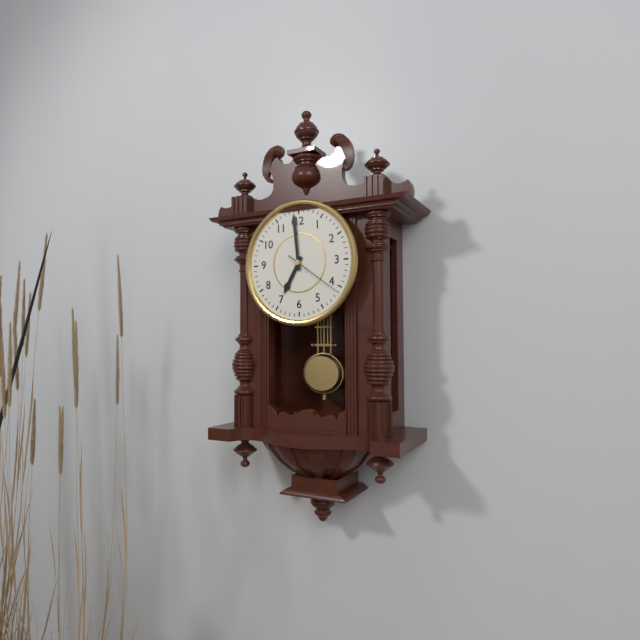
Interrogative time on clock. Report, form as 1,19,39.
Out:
6,59,21
